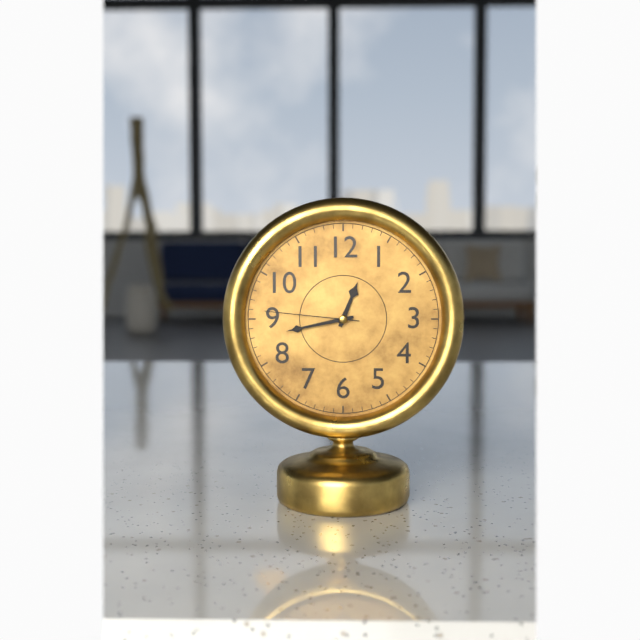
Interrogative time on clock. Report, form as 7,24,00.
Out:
12,43,46
